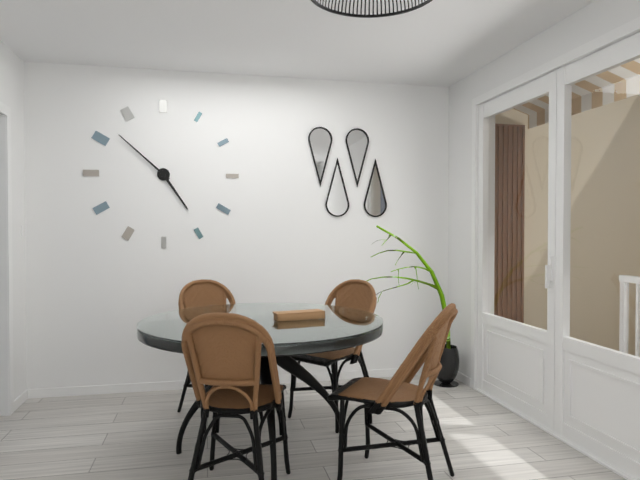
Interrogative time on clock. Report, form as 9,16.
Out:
4,52
